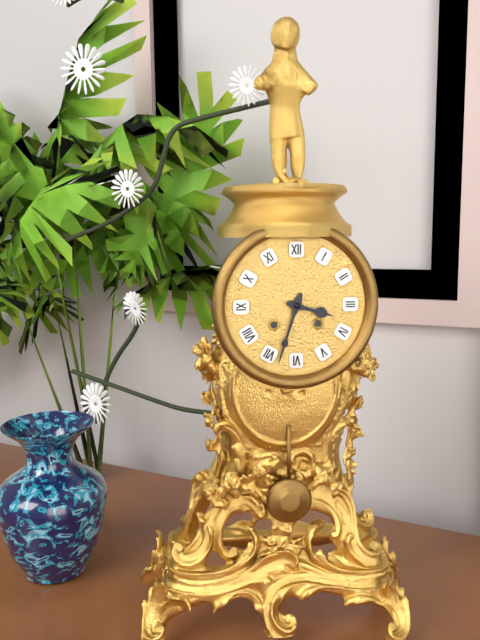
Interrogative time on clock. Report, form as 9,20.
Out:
3,33
